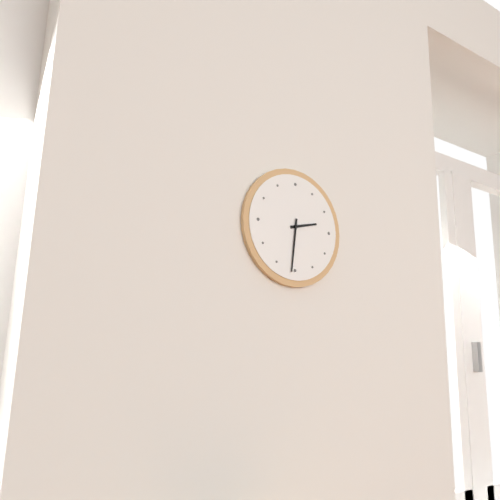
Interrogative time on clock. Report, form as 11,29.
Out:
2,31
